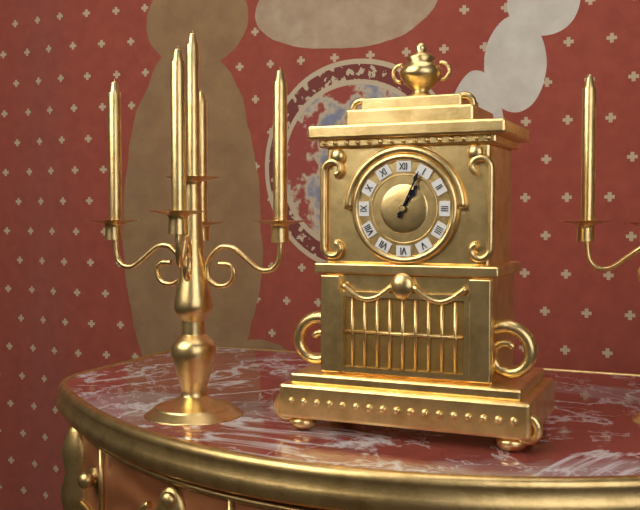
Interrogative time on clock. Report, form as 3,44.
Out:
1,04
